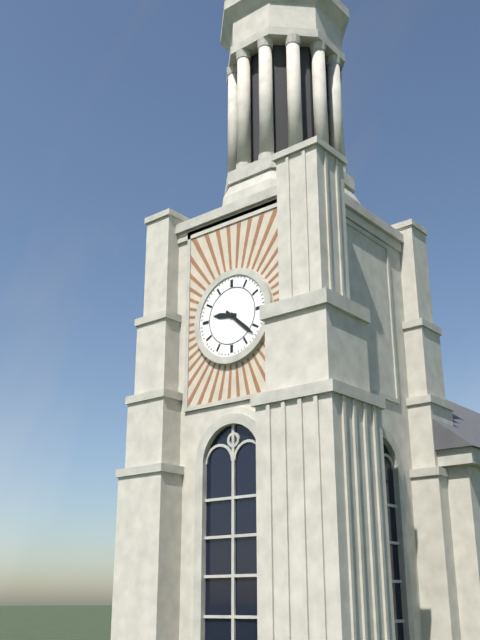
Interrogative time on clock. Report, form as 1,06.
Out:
9,22
